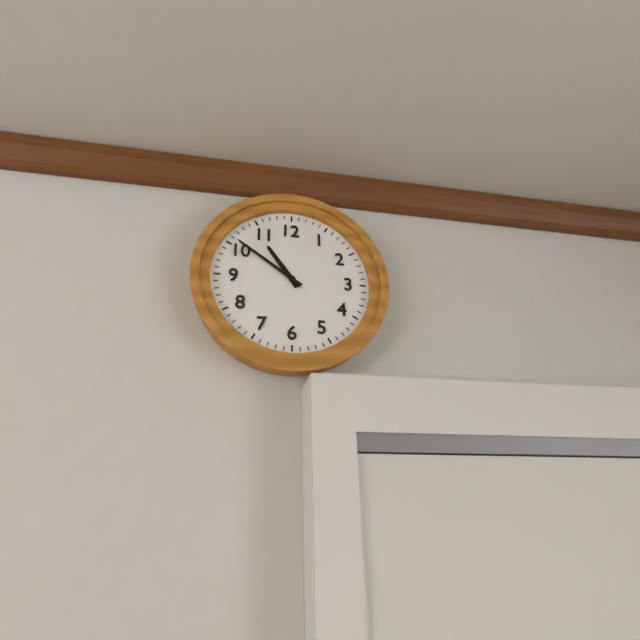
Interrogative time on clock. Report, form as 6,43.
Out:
10,51
